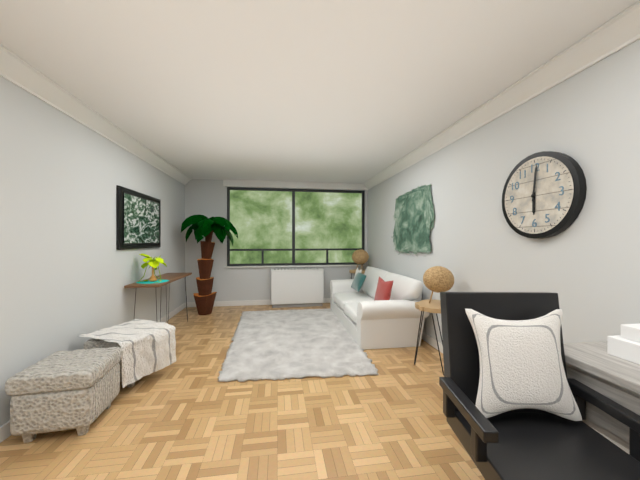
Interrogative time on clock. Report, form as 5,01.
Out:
6,01
